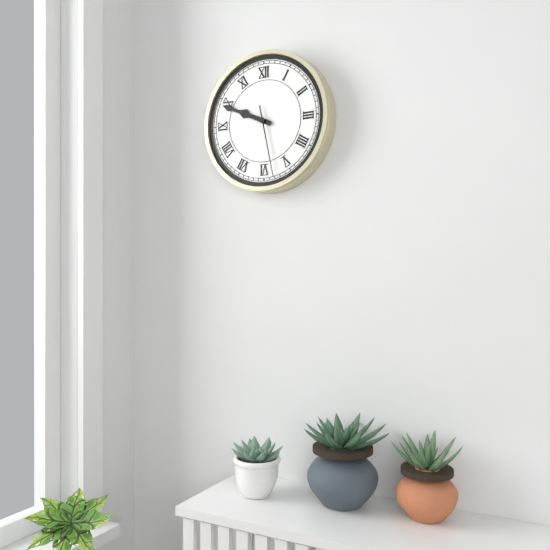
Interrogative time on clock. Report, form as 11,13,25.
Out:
9,49,28
